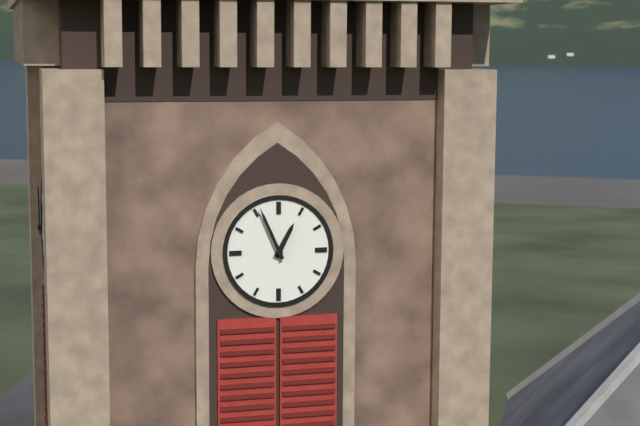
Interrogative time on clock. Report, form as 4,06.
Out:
12,56
